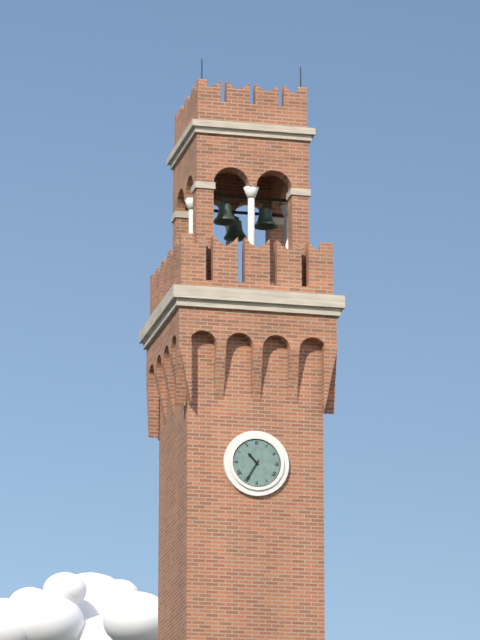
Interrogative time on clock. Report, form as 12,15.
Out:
10,35
